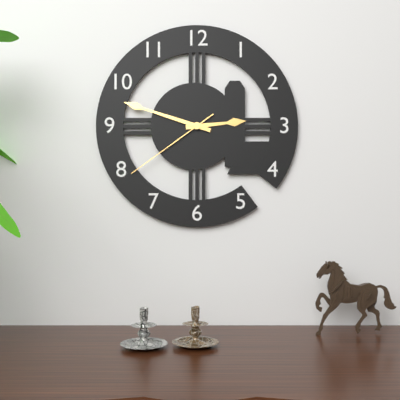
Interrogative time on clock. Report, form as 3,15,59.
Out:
2,48,39
